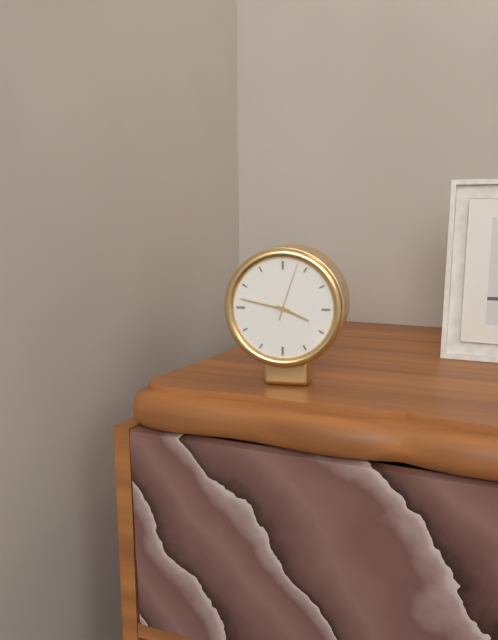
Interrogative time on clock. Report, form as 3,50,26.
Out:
3,47,03
